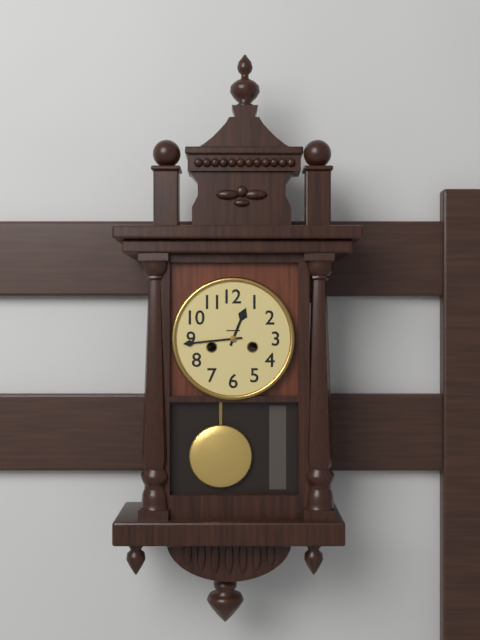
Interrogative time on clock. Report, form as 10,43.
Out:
12,44
